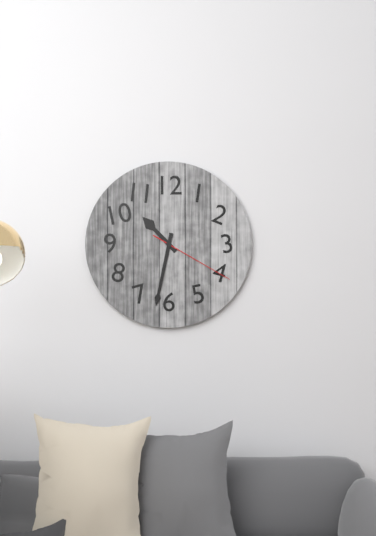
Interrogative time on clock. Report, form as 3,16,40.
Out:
10,32,20
